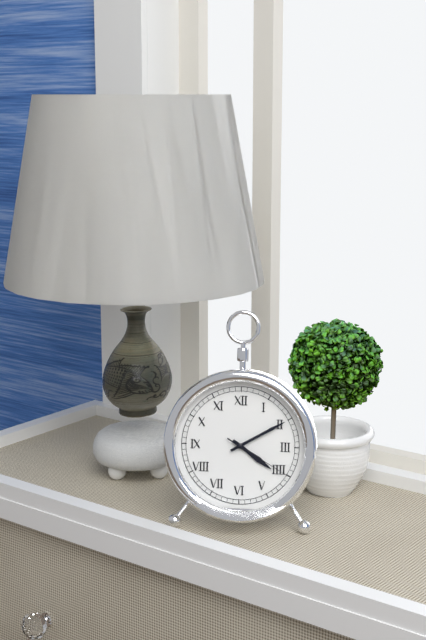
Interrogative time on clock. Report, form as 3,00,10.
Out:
4,10,20
